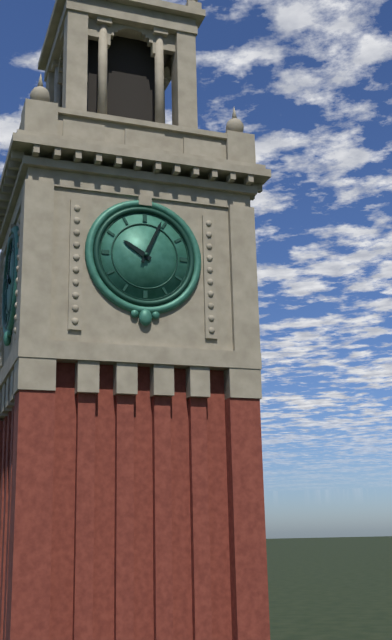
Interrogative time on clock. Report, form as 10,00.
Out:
10,04
